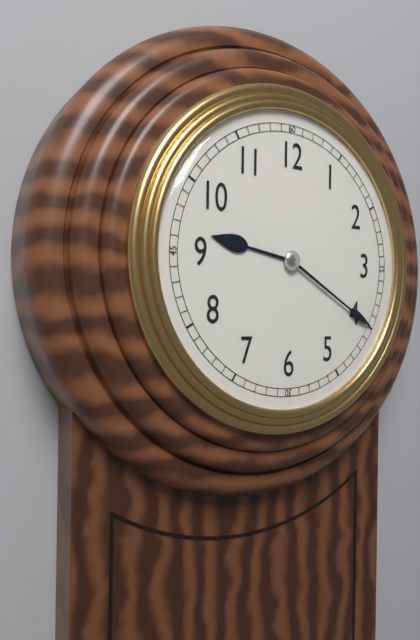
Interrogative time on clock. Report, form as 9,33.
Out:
9,20
